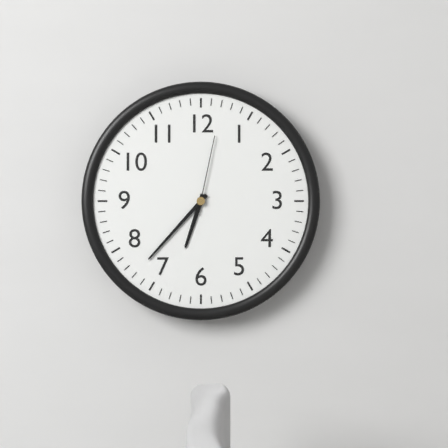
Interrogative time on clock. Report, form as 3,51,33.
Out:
6,37,02
